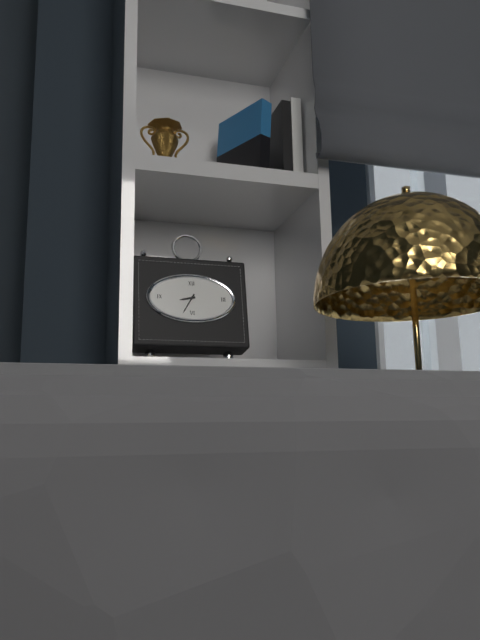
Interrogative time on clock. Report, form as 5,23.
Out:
8,35
